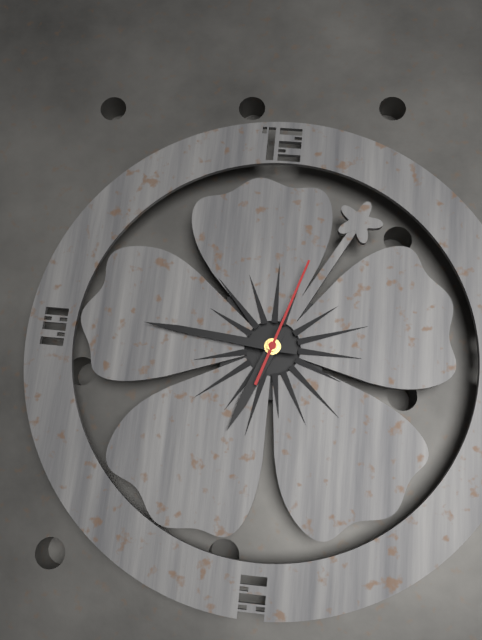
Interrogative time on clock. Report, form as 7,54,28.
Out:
6,46,03
